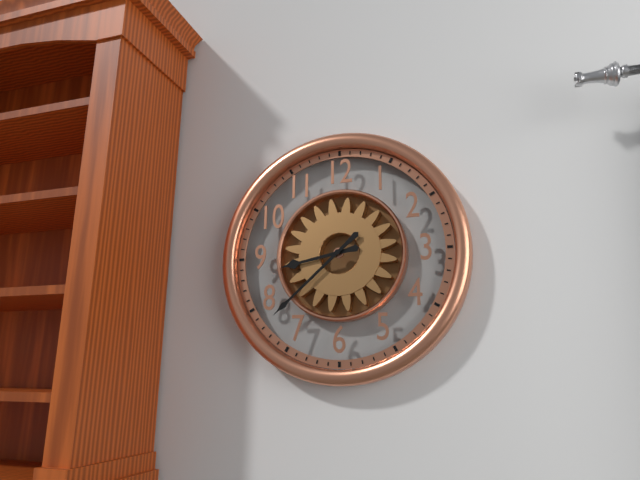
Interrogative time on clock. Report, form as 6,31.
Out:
8,38
